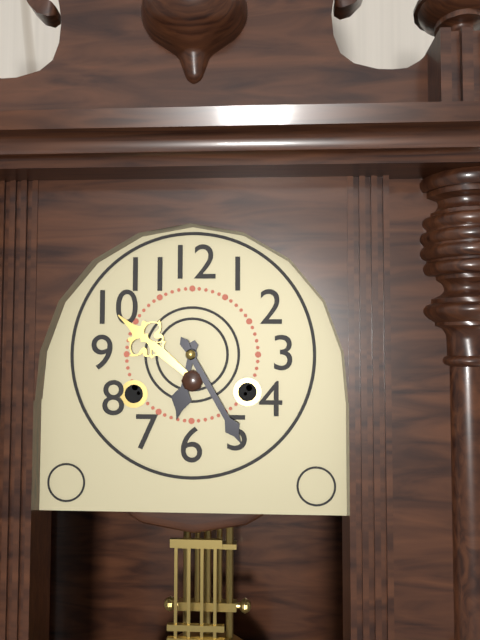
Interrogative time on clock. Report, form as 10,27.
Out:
6,25
